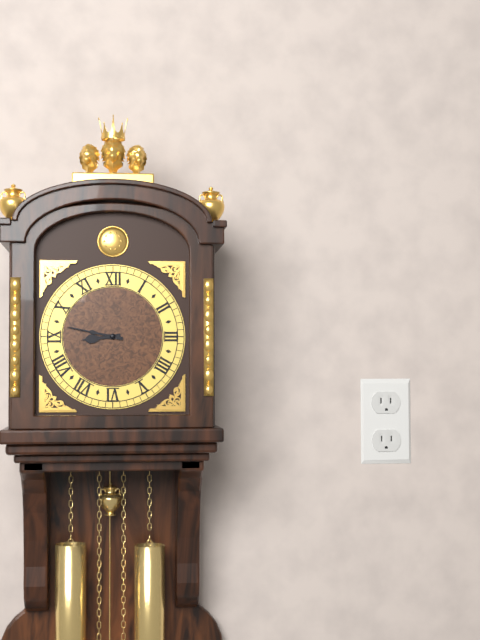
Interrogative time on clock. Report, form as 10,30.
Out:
8,47
